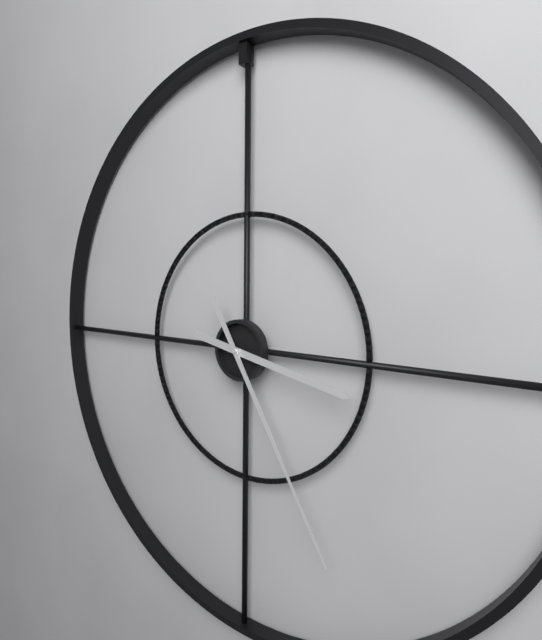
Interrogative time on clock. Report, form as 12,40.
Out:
3,25
